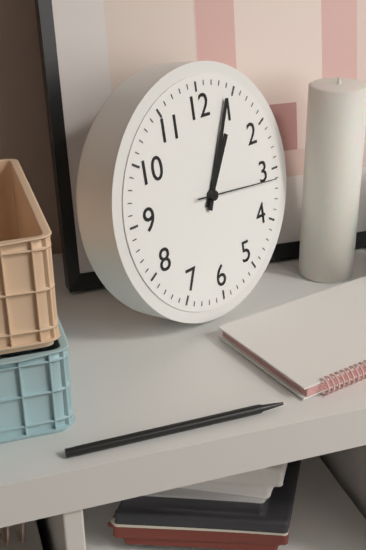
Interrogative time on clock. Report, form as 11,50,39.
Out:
1,04,16
